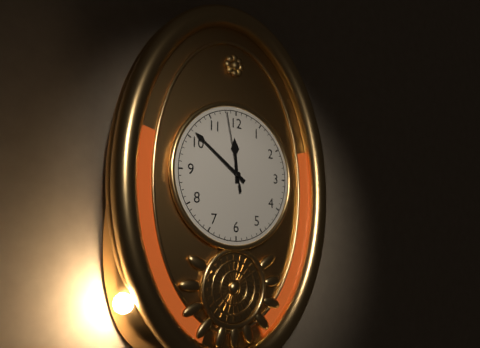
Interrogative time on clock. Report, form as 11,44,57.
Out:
11,51,58
